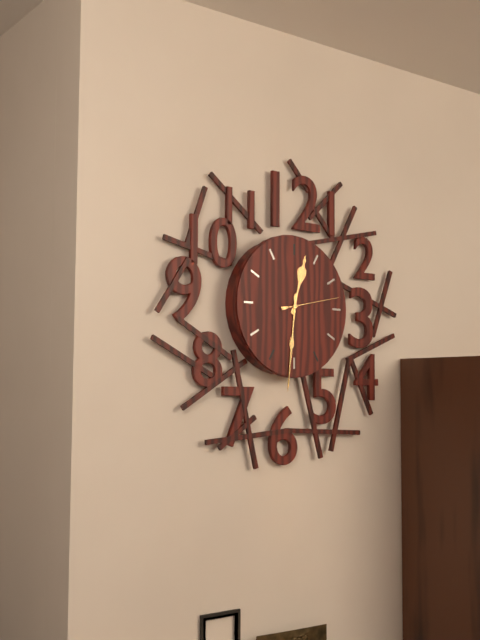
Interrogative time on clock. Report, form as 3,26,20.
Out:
12,31,13
